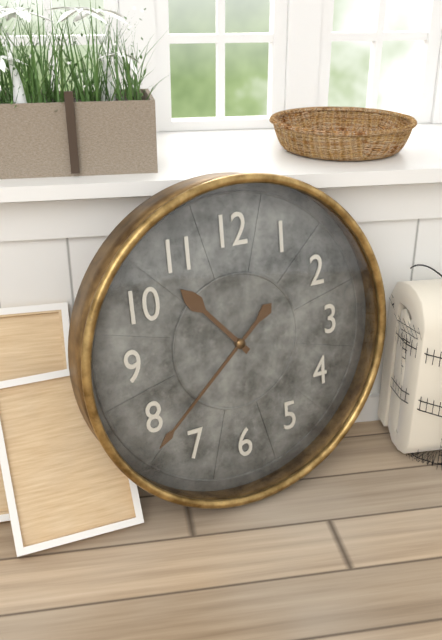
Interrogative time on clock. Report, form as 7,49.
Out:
10,38
